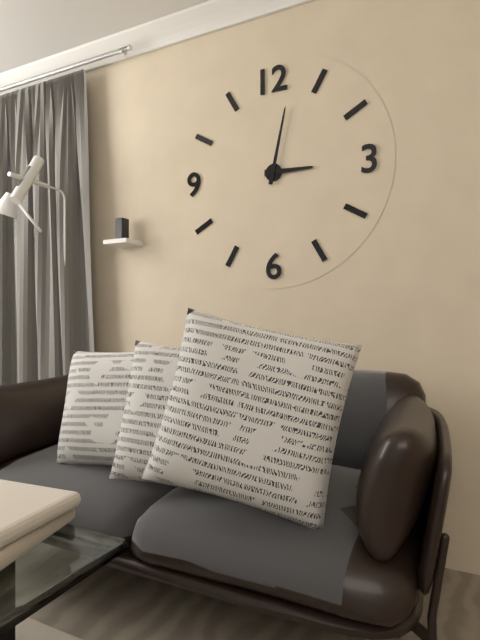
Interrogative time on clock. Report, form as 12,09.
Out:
3,02
